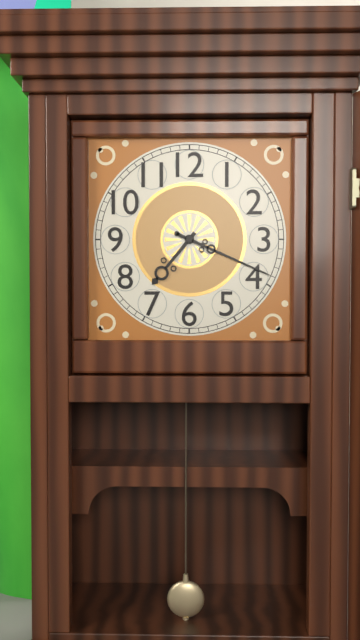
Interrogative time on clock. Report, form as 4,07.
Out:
7,19
